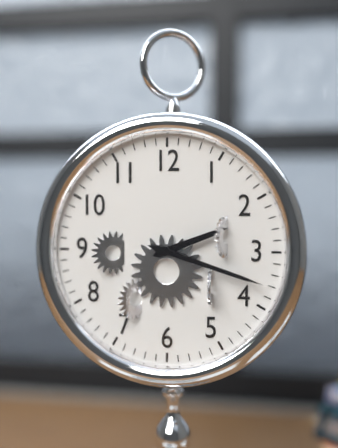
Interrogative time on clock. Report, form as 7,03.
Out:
2,18
